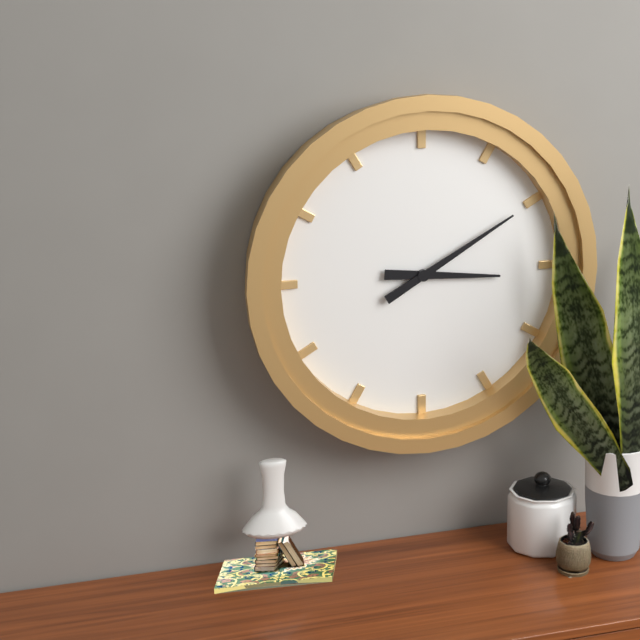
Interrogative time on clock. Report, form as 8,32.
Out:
3,10
